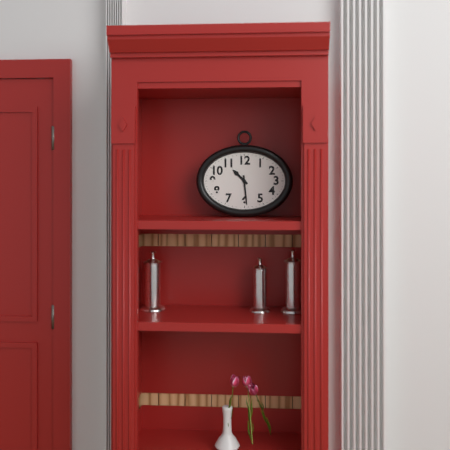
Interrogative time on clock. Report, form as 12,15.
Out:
10,29
